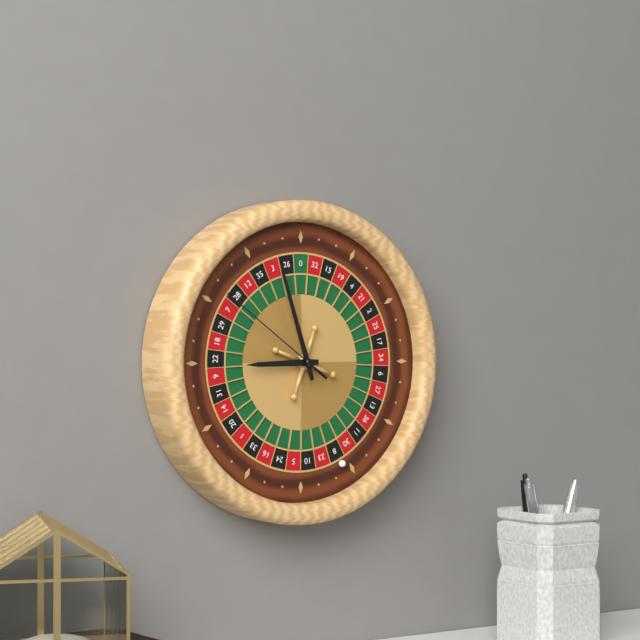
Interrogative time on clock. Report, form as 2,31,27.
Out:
8,57,51
